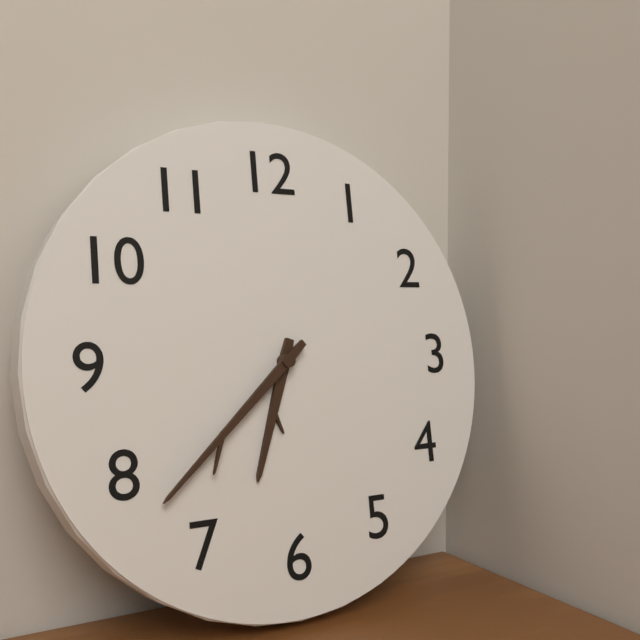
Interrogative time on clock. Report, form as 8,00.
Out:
6,38
